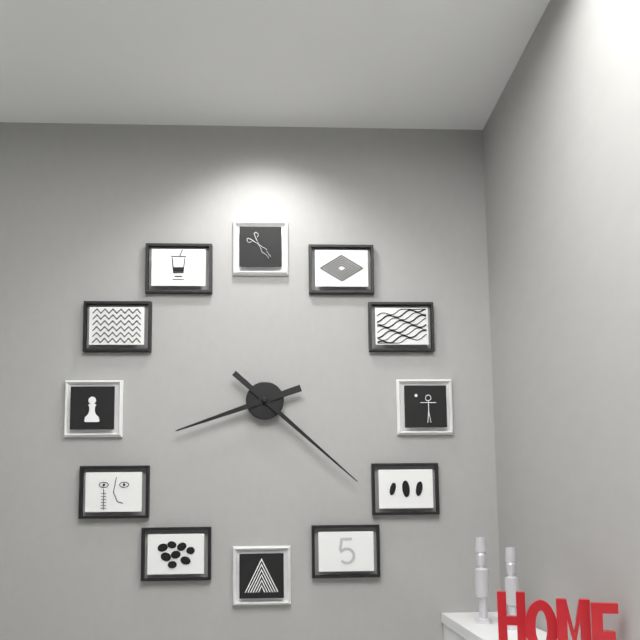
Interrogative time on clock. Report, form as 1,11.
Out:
8,22
